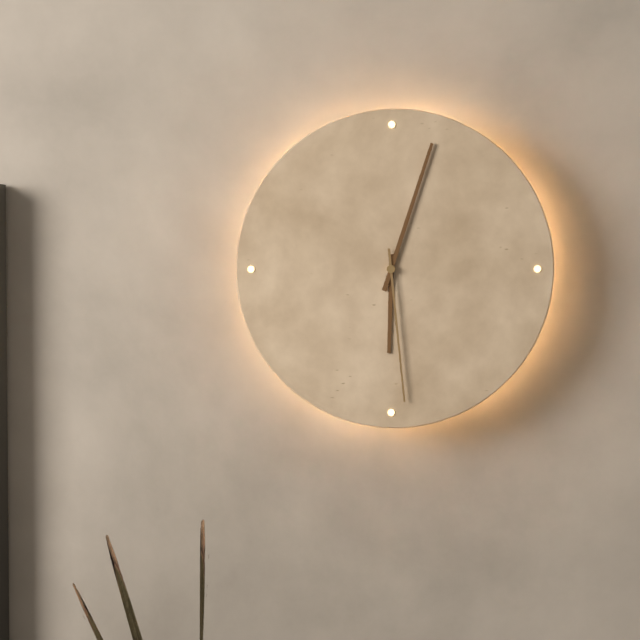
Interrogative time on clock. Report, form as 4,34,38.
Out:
6,03,29
